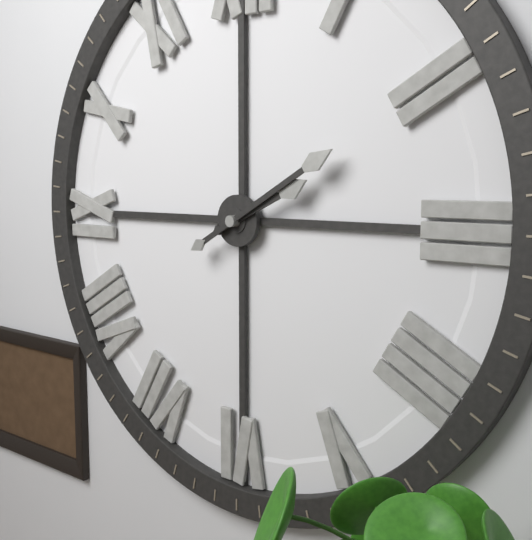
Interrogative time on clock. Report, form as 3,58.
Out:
2,10
